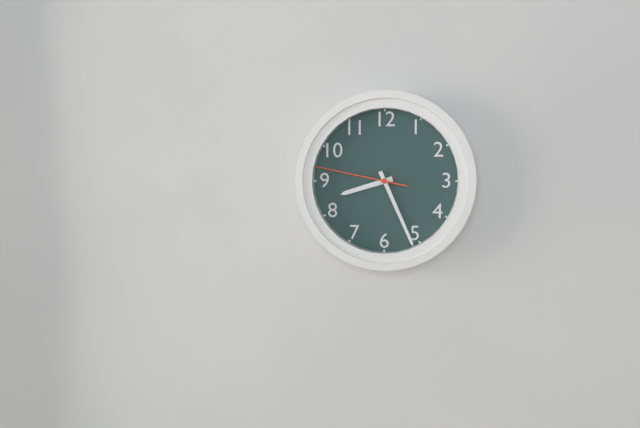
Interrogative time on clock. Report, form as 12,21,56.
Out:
8,26,47
